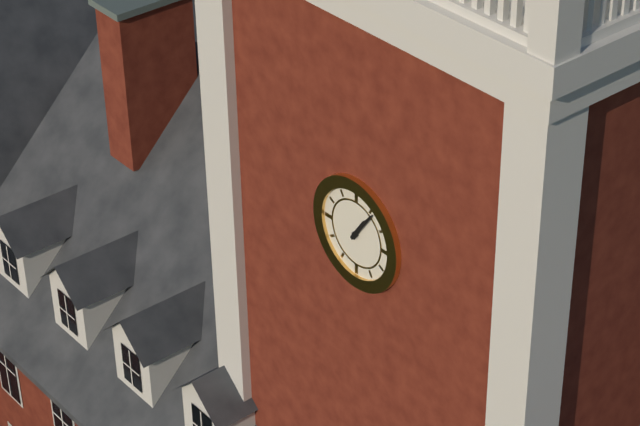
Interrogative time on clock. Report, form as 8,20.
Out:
1,06
